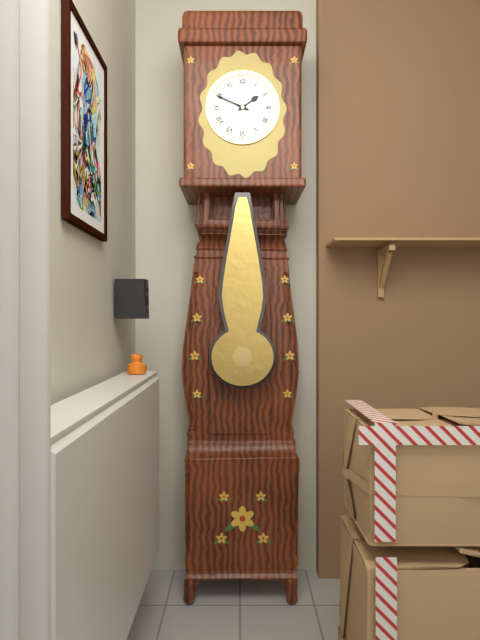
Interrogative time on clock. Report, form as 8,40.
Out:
1,49
